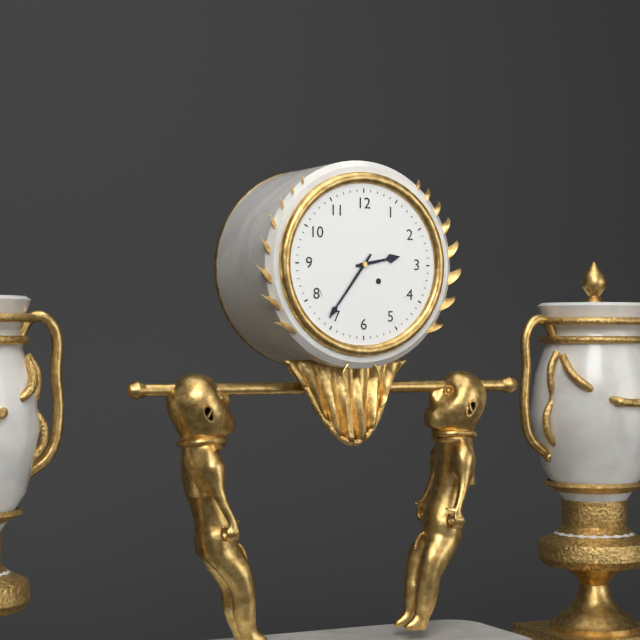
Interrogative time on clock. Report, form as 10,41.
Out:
2,36
